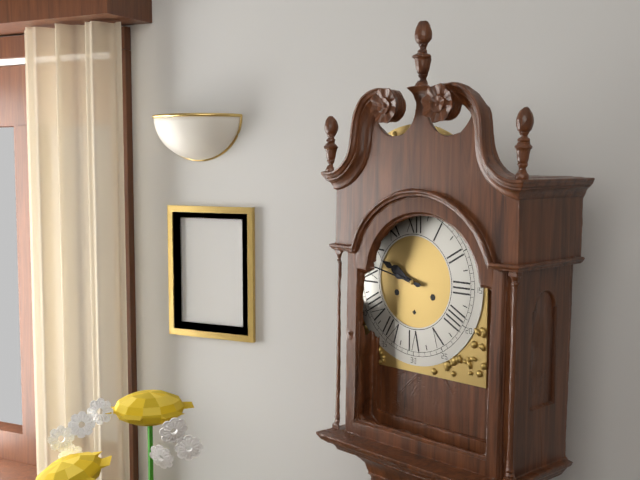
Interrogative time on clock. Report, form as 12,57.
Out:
9,47
